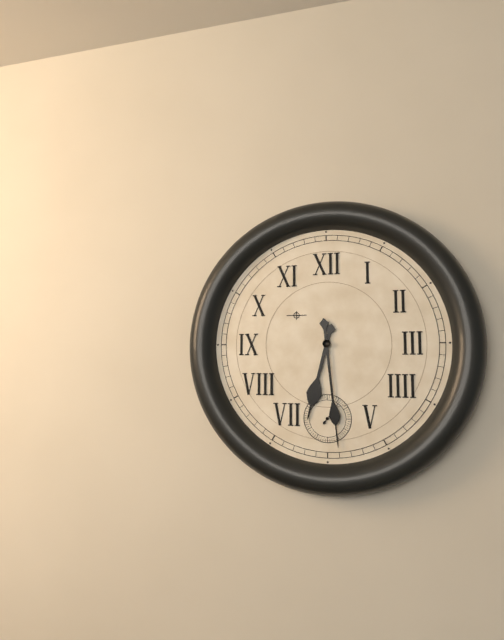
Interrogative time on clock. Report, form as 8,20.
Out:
6,29
